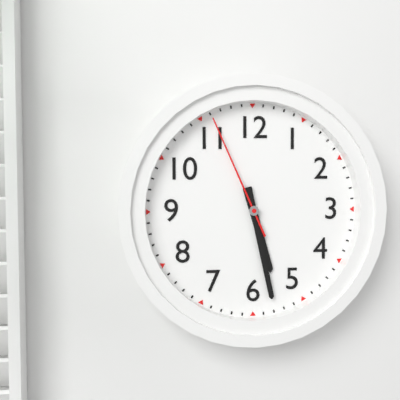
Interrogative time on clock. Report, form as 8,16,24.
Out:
5,28,56
